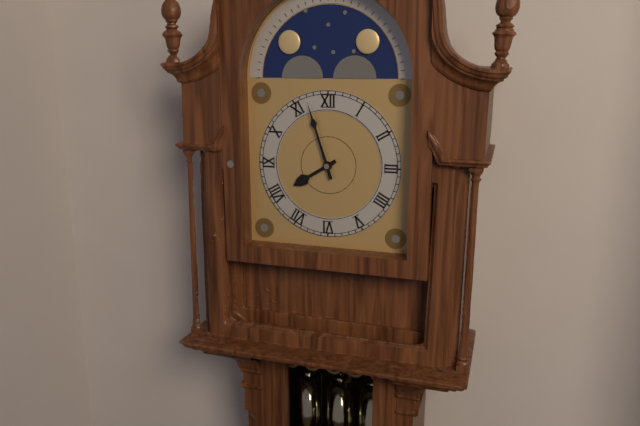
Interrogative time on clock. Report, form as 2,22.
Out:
7,57
